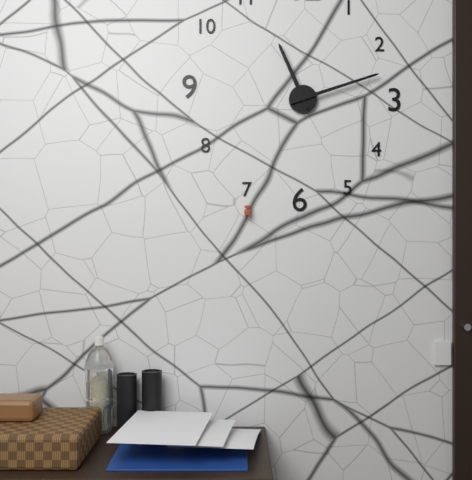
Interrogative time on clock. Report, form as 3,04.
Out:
11,12
